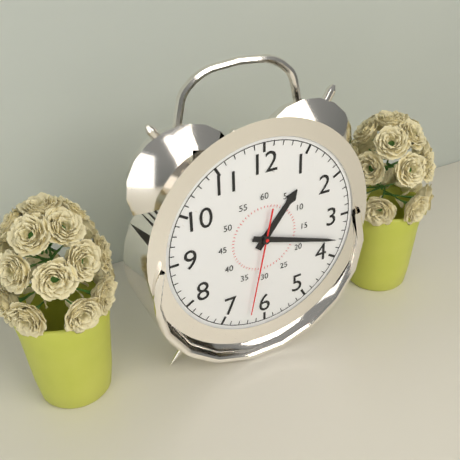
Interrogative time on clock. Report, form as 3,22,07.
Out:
1,18,32
